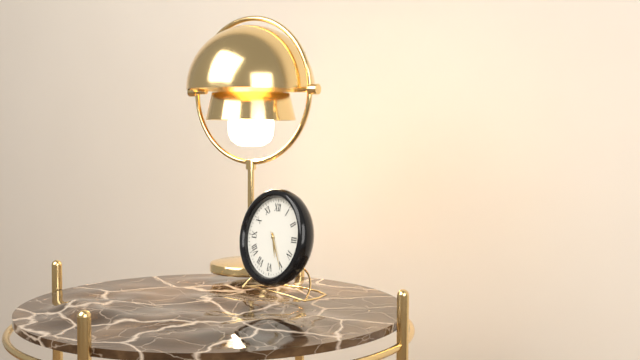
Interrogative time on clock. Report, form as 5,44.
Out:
5,25
